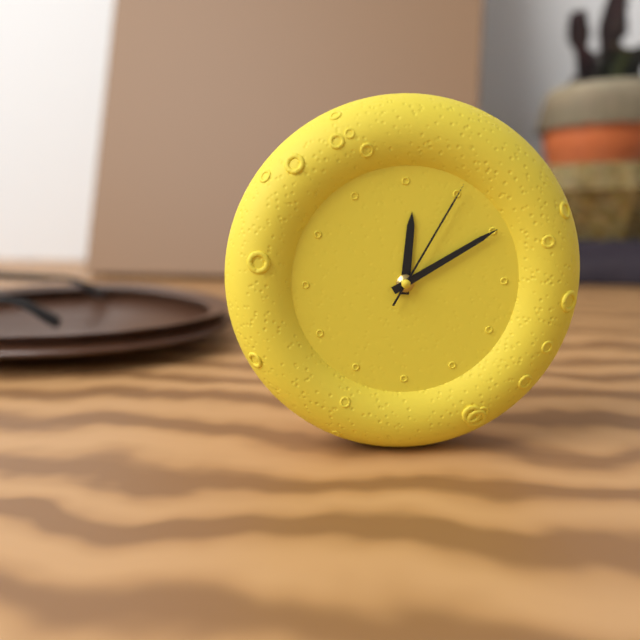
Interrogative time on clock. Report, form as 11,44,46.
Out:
12,10,05
